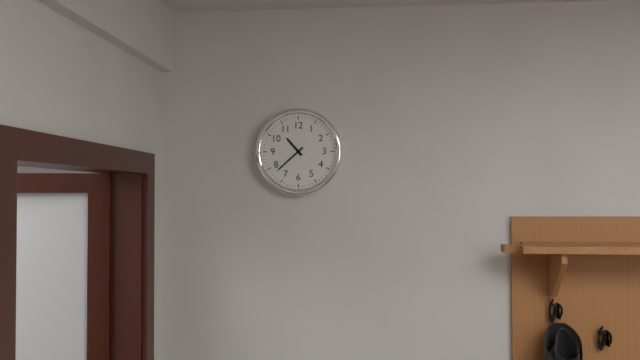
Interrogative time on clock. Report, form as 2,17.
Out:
10,38
